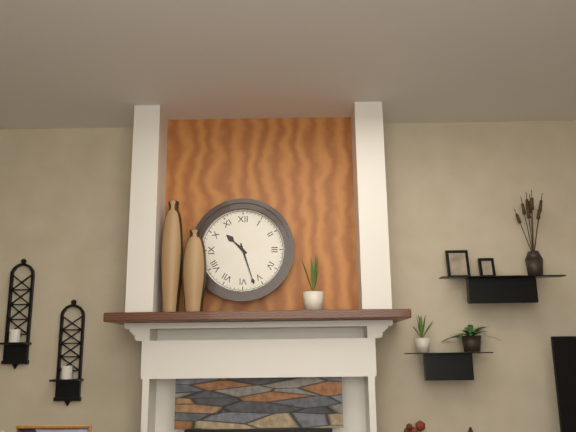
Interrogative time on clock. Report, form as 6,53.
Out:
10,27
